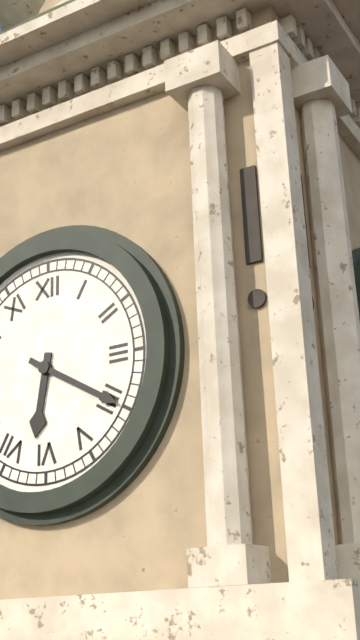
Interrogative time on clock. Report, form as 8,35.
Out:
6,20
